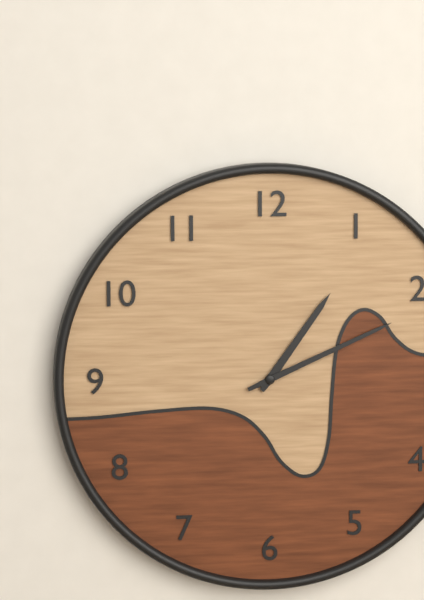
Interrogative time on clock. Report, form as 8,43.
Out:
1,11
